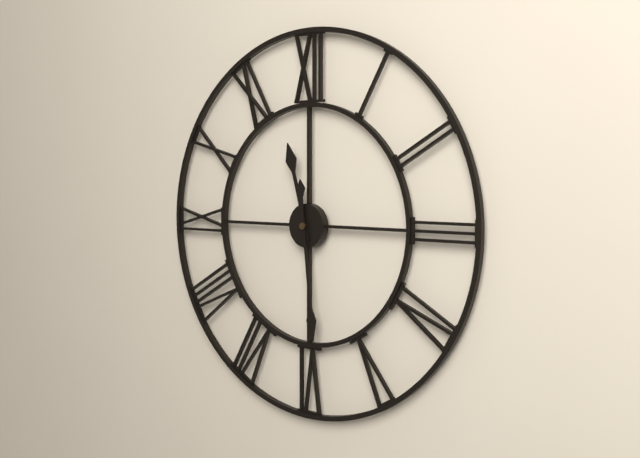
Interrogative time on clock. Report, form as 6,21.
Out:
11,29
